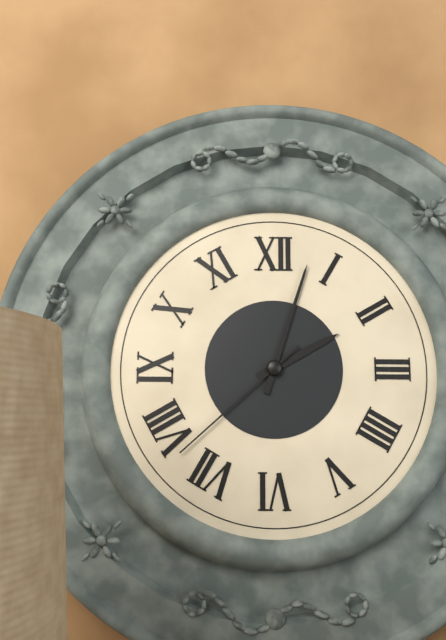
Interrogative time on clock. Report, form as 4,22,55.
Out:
2,03,38
